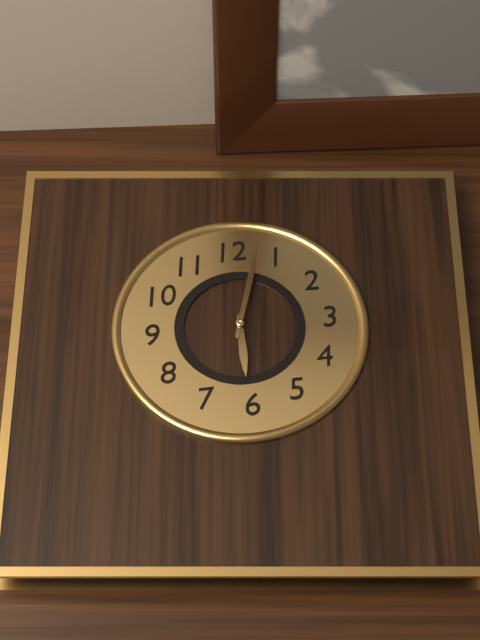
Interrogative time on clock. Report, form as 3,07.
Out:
6,03
